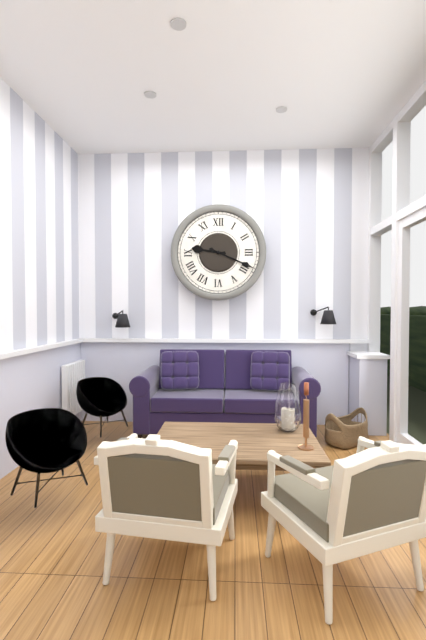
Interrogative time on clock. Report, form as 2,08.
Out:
9,19
